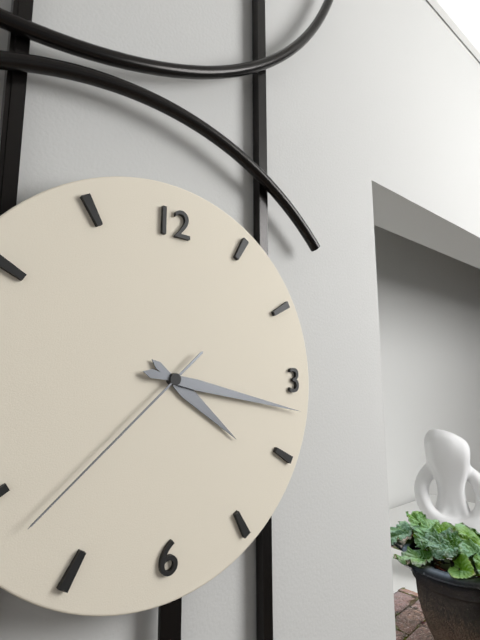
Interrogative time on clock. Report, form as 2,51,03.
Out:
4,17,38
